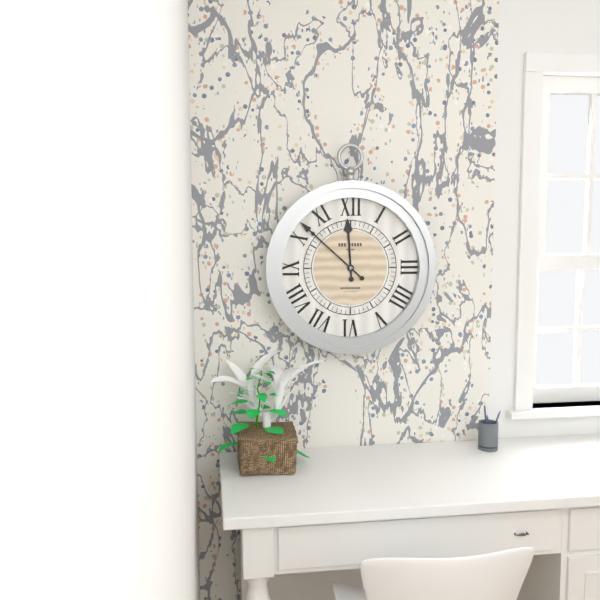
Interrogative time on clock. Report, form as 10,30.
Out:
11,52
